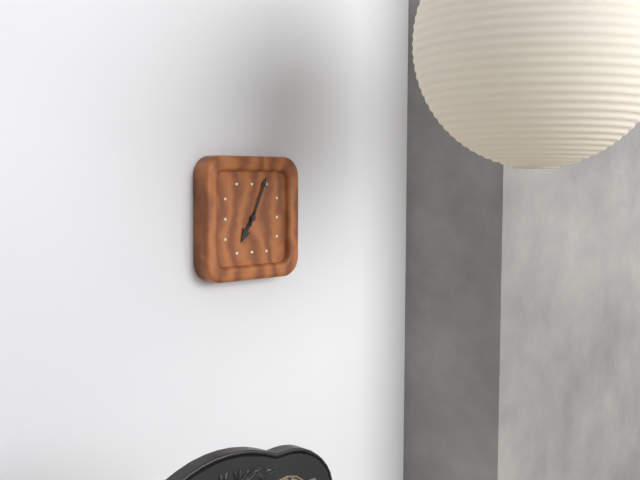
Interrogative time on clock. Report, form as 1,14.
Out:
7,04
